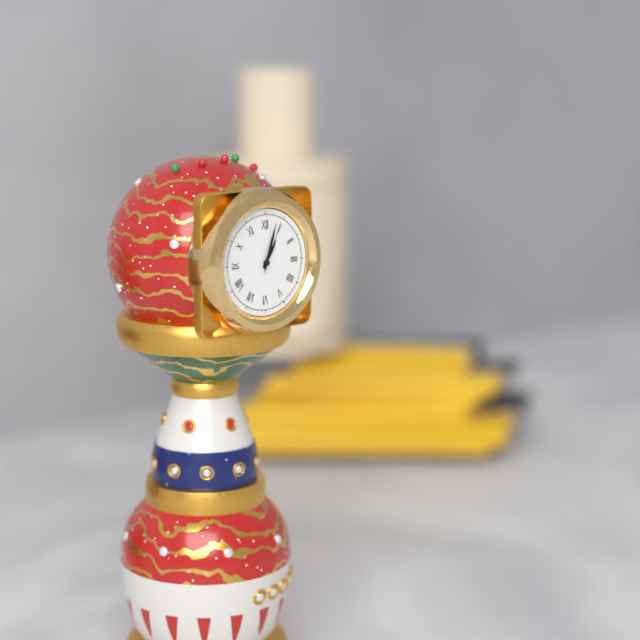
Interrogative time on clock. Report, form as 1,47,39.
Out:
1,03,04
